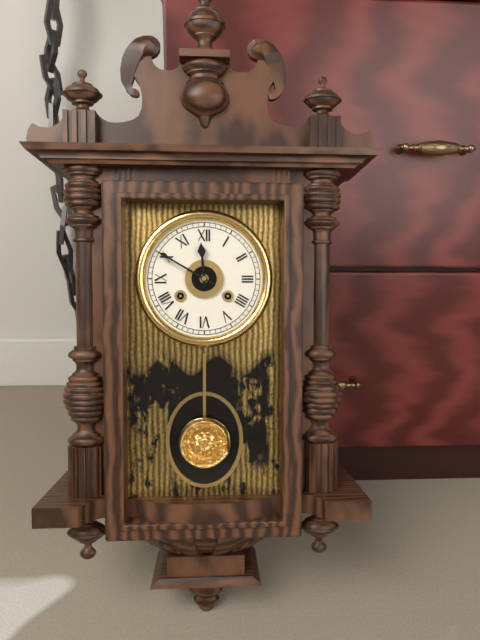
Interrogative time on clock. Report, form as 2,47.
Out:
11,50
